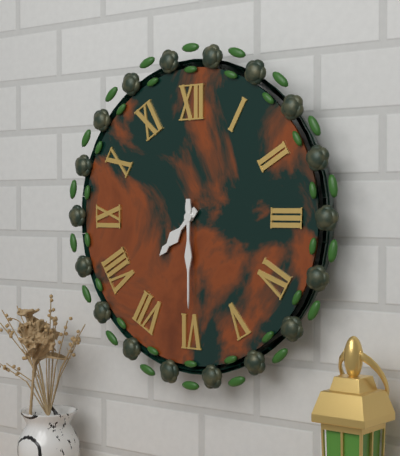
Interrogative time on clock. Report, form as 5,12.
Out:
7,30
